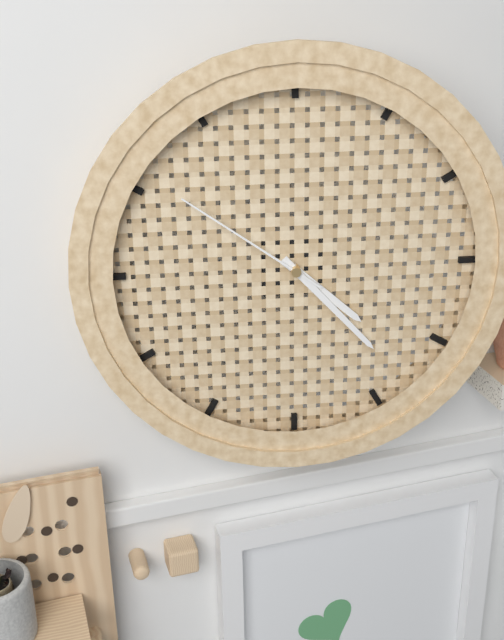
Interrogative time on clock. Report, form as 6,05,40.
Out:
4,23,51
